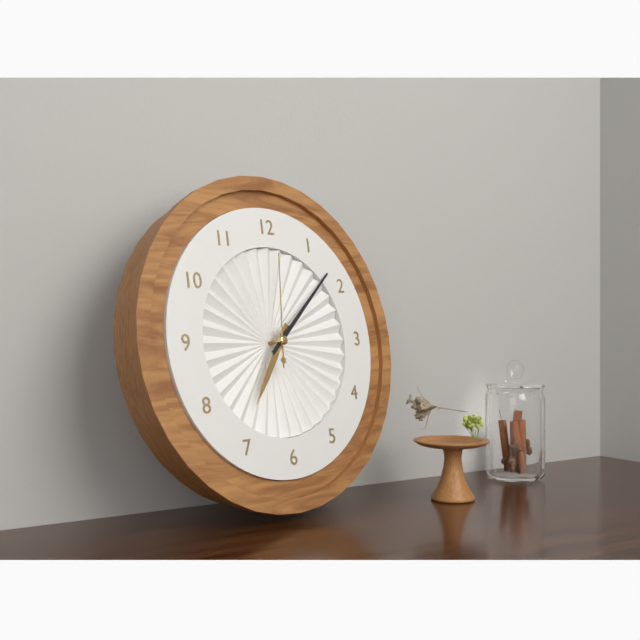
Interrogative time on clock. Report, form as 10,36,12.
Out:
7,08,01
